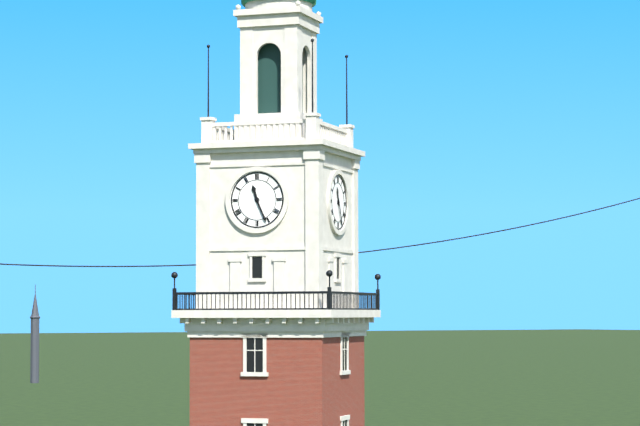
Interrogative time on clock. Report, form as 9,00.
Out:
11,26
